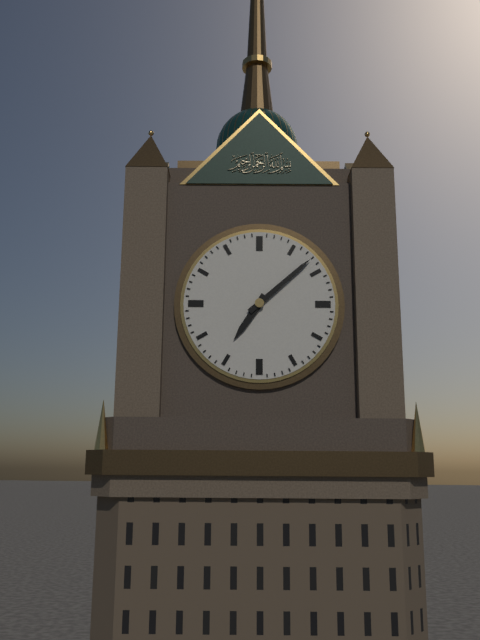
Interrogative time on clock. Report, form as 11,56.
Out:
7,08
